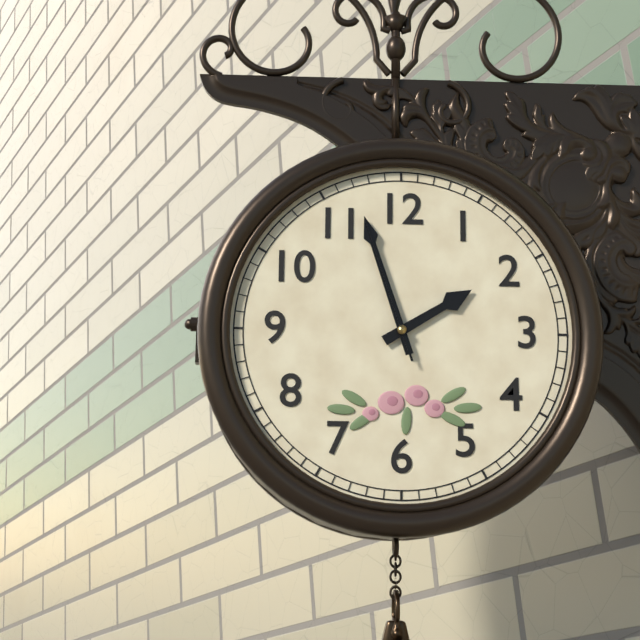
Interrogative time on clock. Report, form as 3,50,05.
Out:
1,57,57
